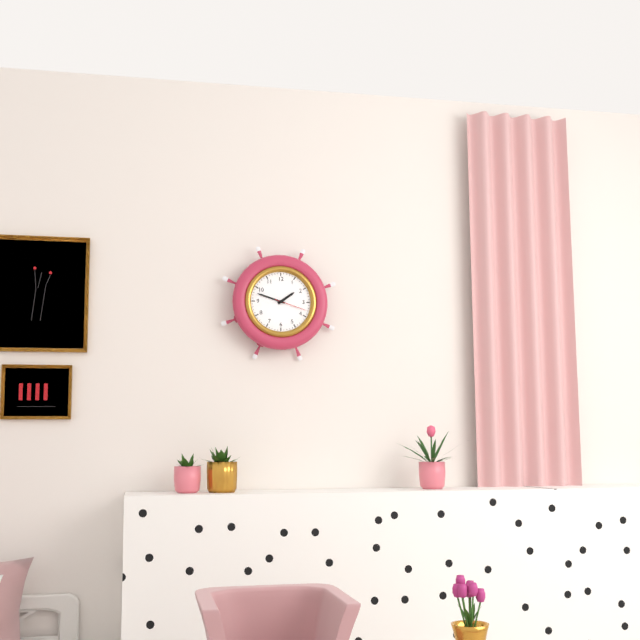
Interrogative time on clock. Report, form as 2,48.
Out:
1,48
